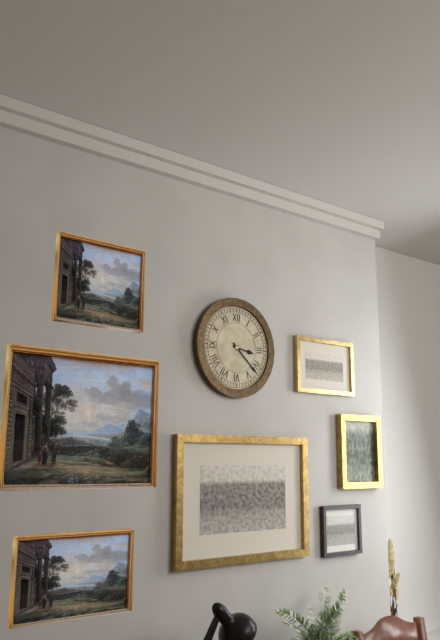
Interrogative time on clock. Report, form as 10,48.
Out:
3,22
